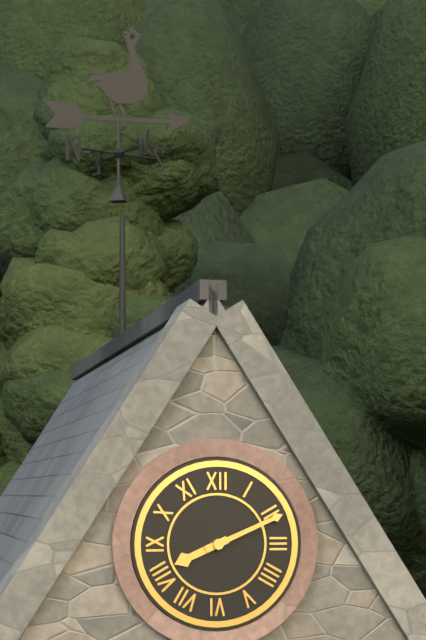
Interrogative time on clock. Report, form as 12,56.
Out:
8,11
